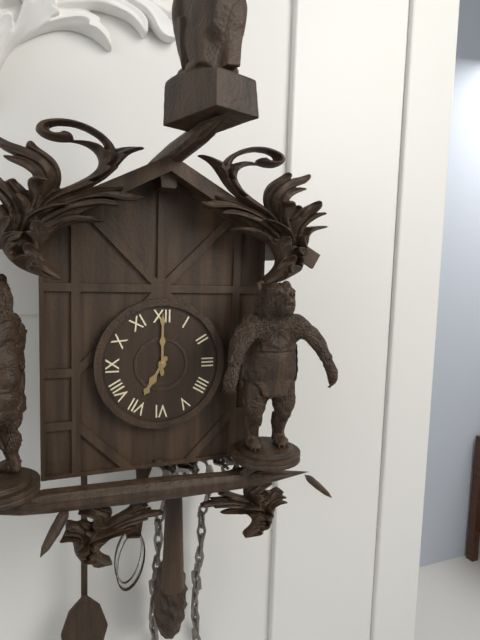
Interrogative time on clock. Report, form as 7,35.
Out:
7,00
